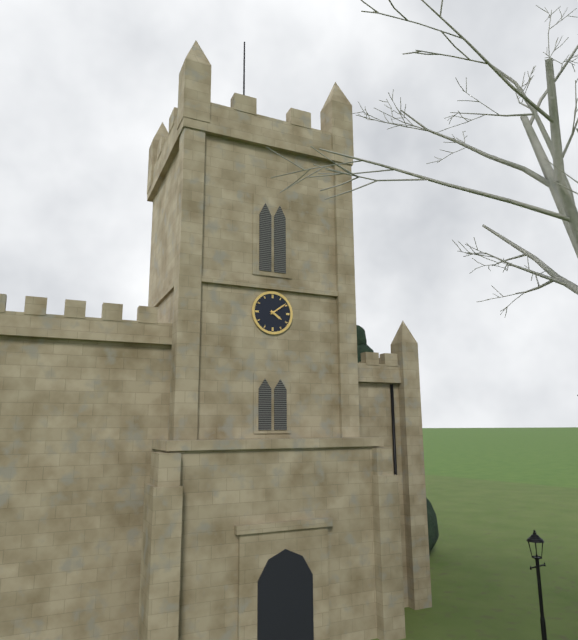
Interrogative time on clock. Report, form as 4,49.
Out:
4,09
